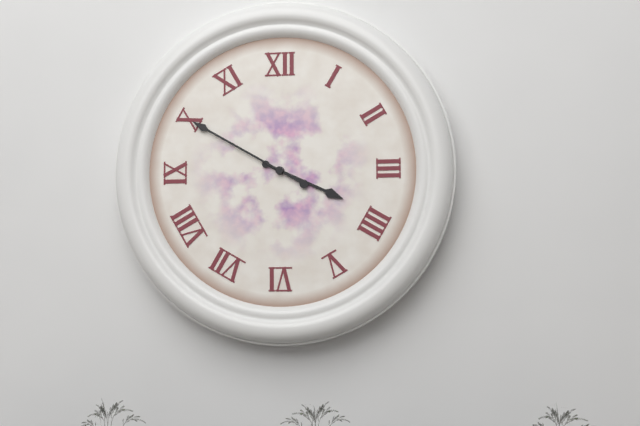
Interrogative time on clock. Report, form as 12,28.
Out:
3,50
